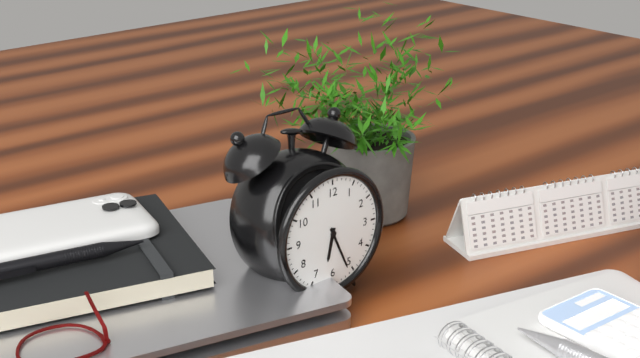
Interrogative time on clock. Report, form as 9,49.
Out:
6,26
